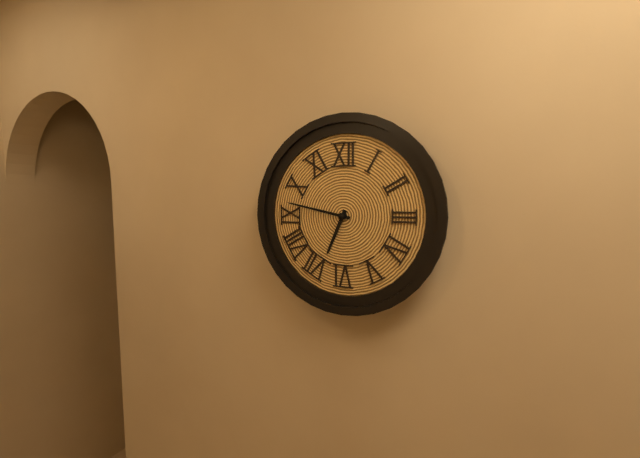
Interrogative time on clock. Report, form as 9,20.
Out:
6,47
